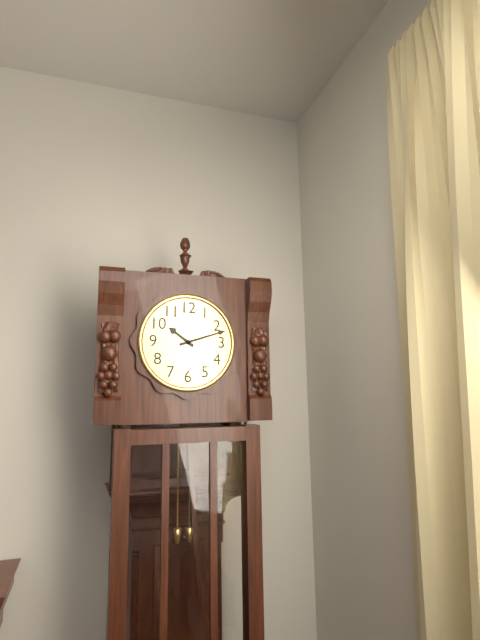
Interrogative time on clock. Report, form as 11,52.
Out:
10,12
